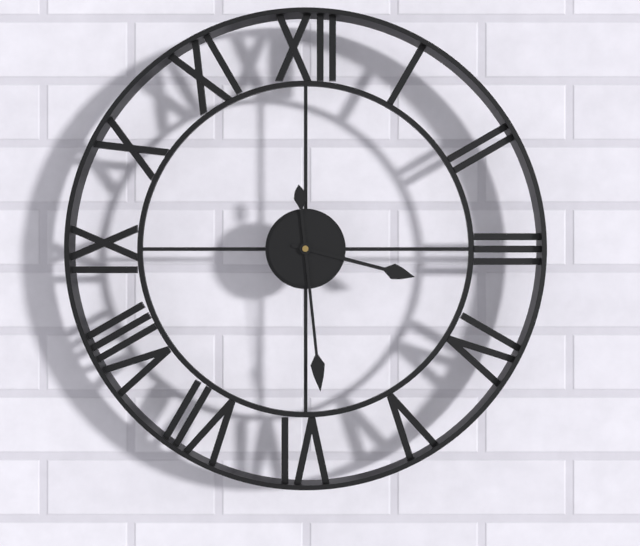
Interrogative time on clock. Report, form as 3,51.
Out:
3,29
